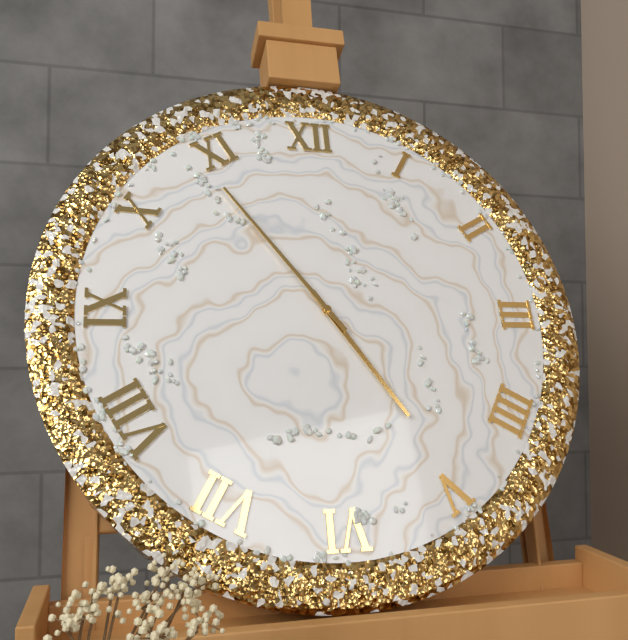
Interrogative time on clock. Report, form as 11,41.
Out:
4,54
